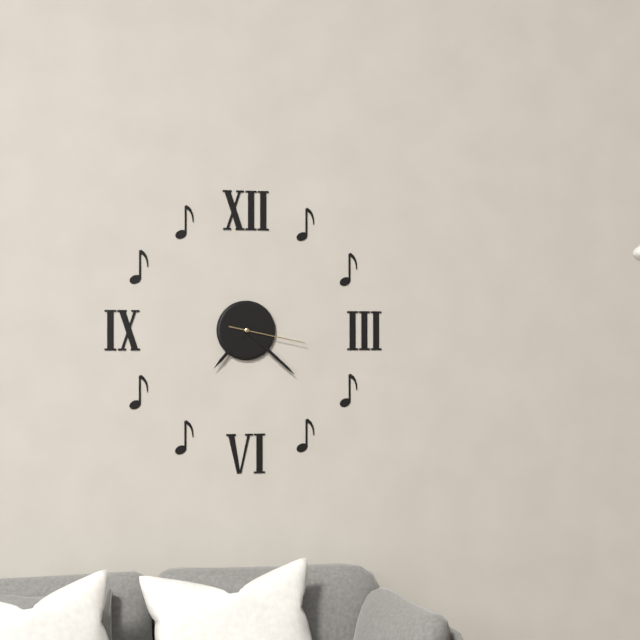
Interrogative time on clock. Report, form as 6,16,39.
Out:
7,22,17
